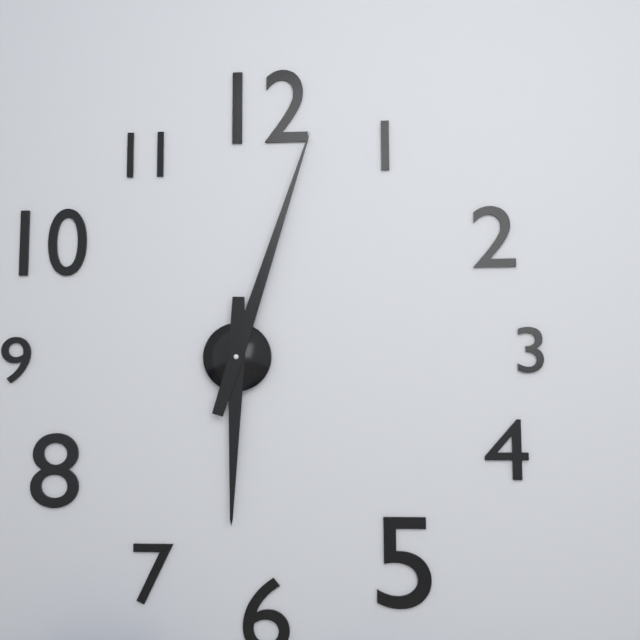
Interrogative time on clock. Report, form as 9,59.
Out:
6,03
